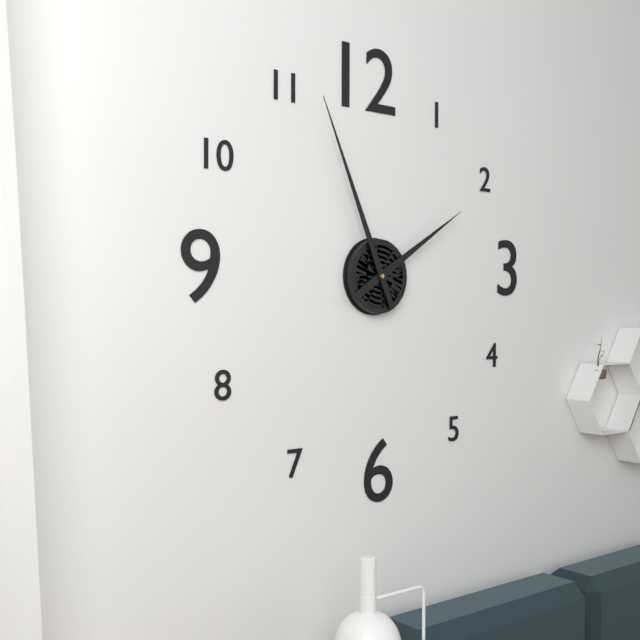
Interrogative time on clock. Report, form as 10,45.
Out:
1,56
